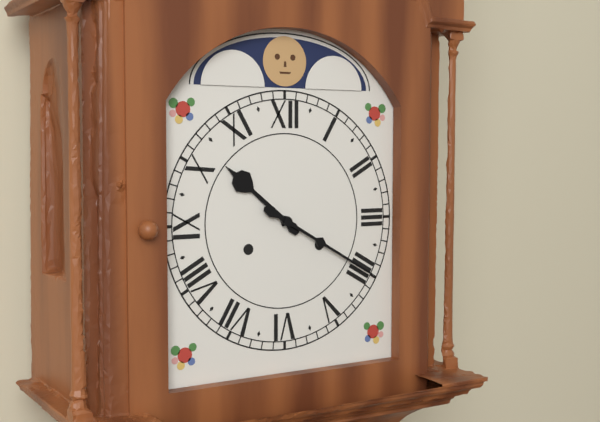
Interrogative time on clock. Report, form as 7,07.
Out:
10,20
